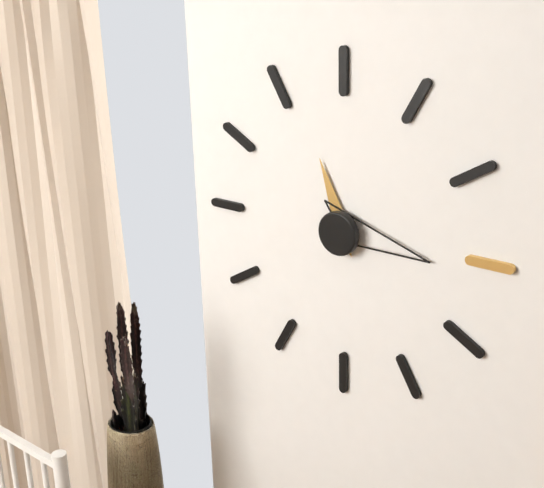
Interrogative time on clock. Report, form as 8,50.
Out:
11,16
